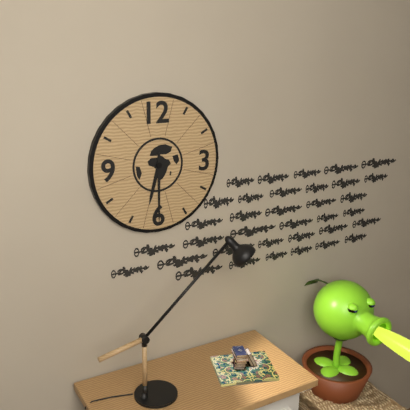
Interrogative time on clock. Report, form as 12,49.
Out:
6,30
